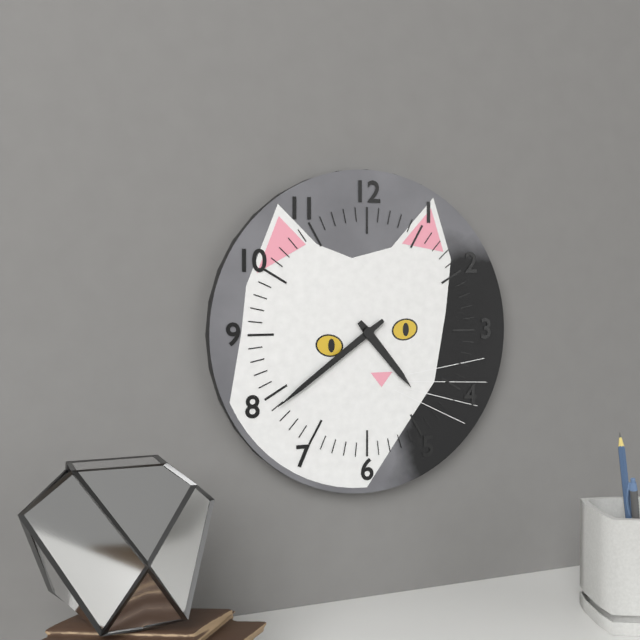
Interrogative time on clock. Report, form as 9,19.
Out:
4,39
